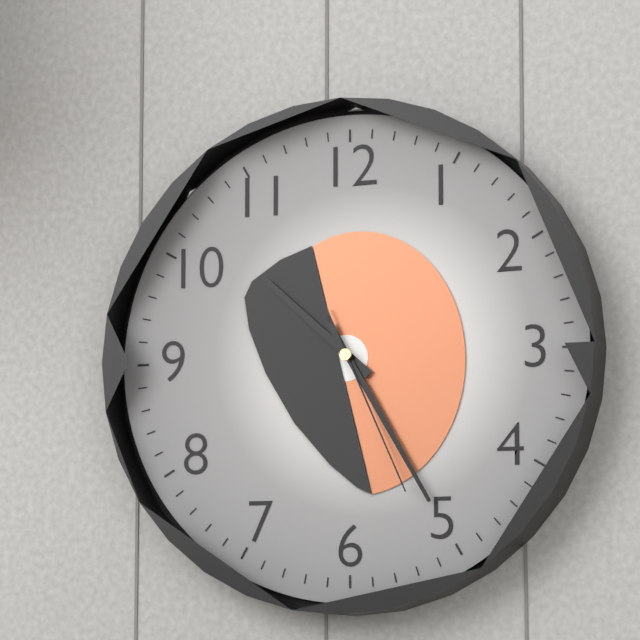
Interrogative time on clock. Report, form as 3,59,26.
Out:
10,25,26
